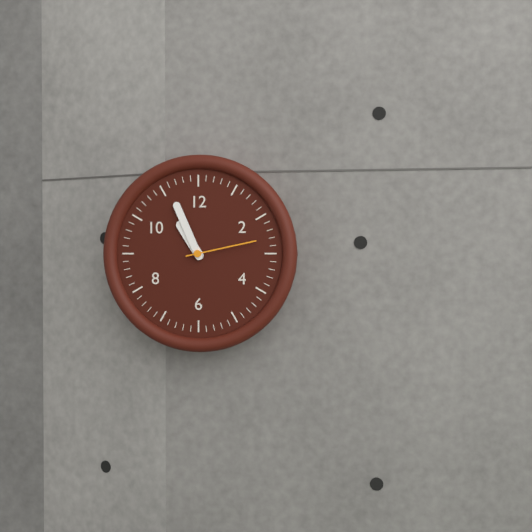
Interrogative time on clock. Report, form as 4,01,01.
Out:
10,56,13
